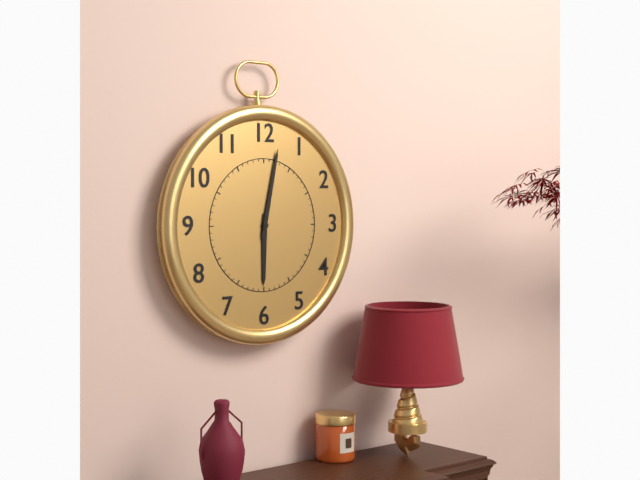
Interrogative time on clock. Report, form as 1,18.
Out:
6,02
